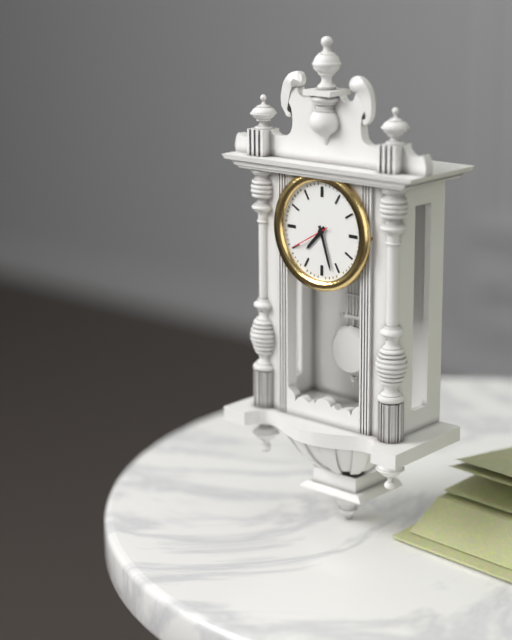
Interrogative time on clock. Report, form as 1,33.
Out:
7,27
